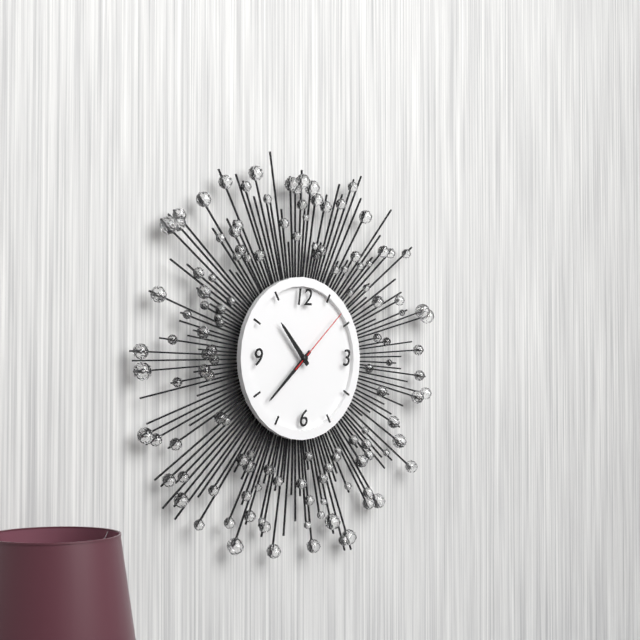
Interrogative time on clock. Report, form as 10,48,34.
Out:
10,38,08
